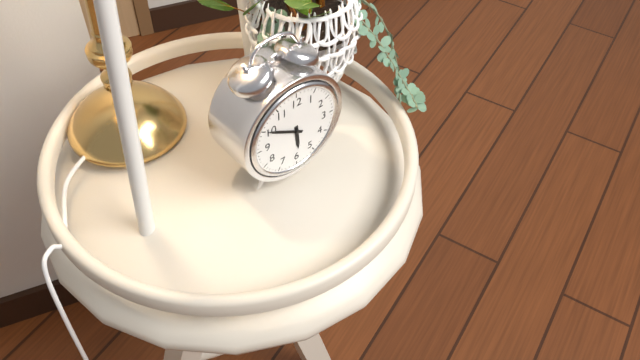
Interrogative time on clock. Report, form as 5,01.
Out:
5,50
